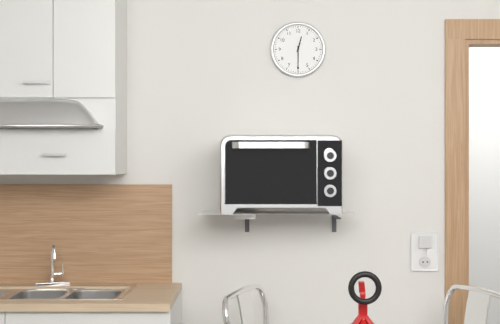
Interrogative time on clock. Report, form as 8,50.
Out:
12,30
